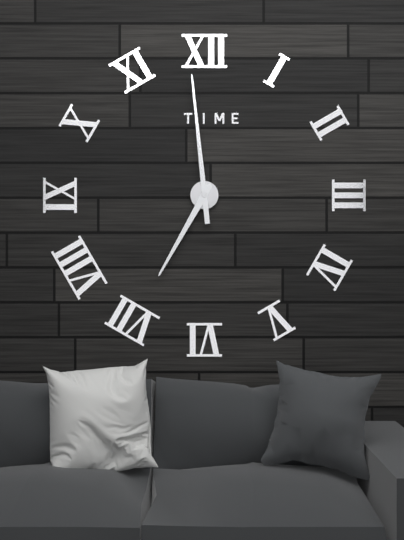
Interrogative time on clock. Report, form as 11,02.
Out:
6,59
